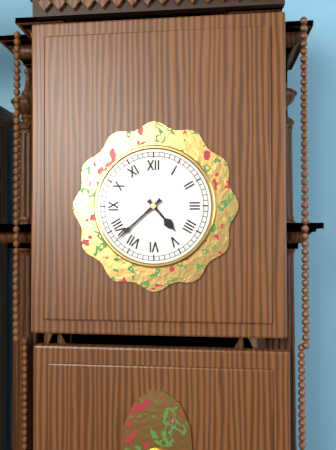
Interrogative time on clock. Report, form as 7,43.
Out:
4,38
